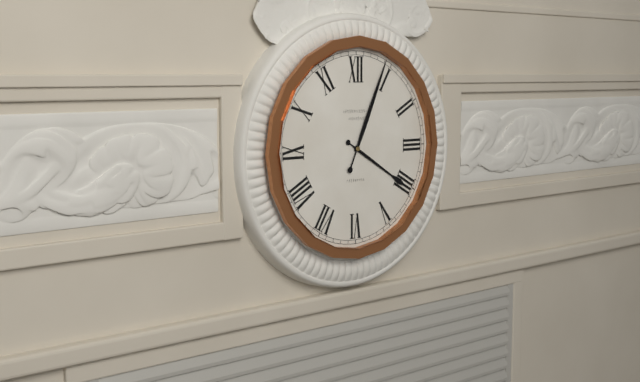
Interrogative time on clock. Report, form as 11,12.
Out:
4,04
